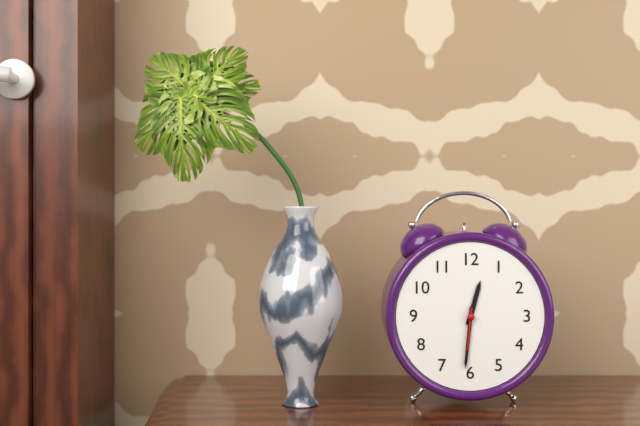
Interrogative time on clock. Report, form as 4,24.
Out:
12,31
